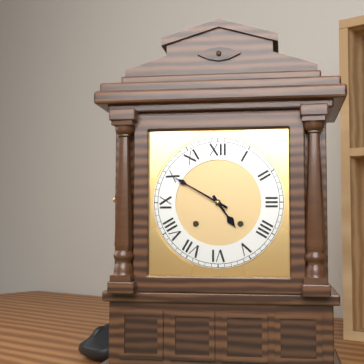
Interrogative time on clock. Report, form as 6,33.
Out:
4,50
